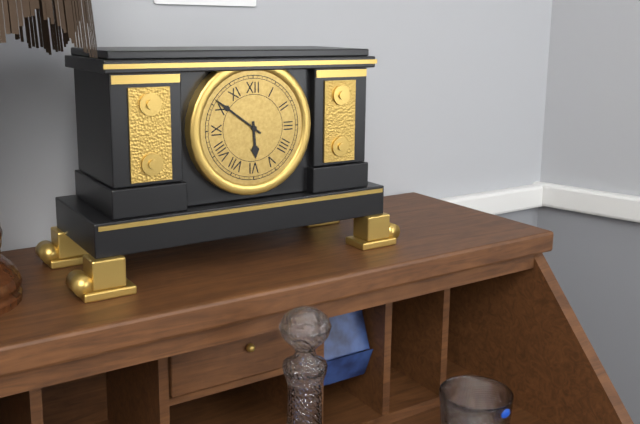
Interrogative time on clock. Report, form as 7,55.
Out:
5,51
